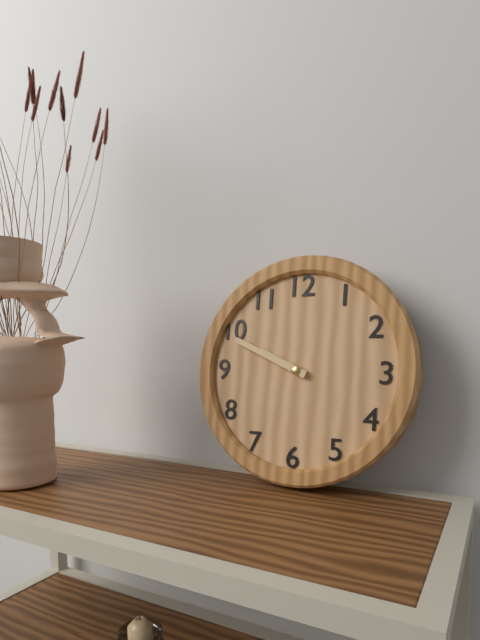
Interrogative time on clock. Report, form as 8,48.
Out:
9,49
